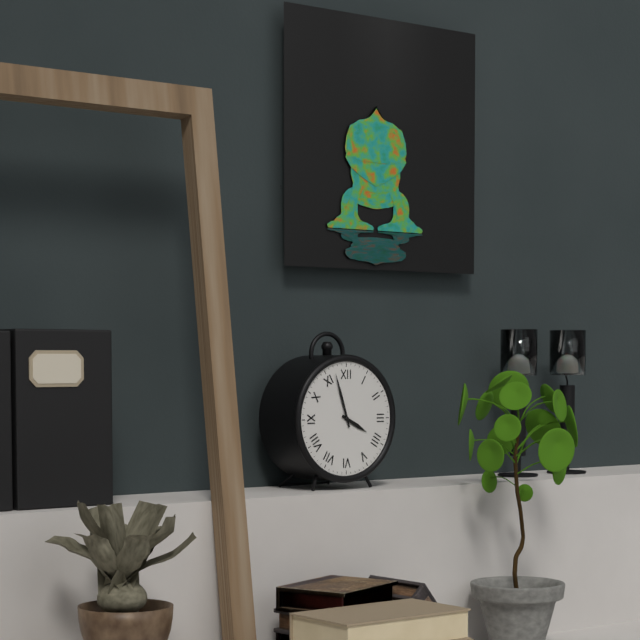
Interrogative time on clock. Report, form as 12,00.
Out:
3,57
